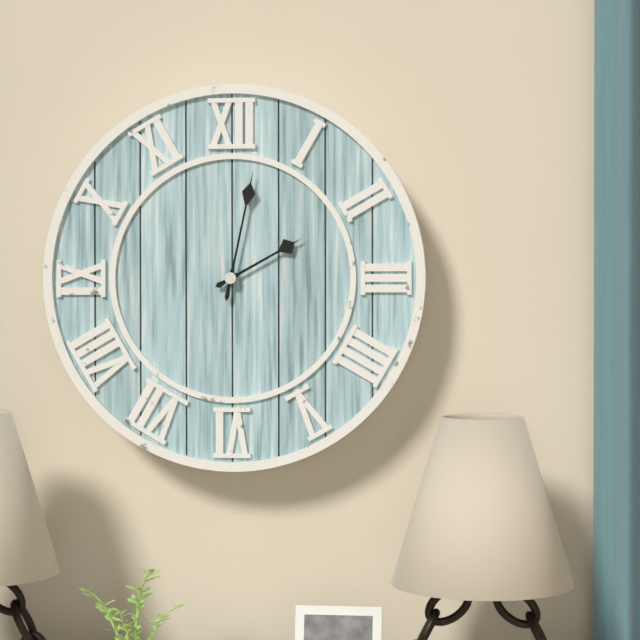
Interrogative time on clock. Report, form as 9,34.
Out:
2,02
